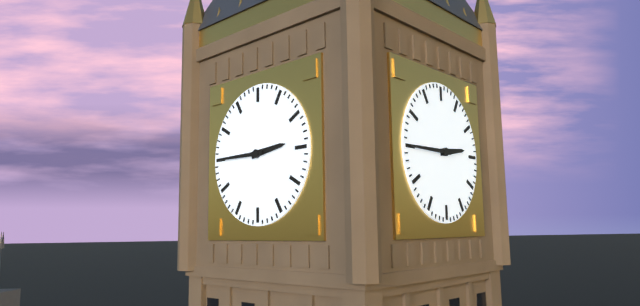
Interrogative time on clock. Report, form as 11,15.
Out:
2,45
